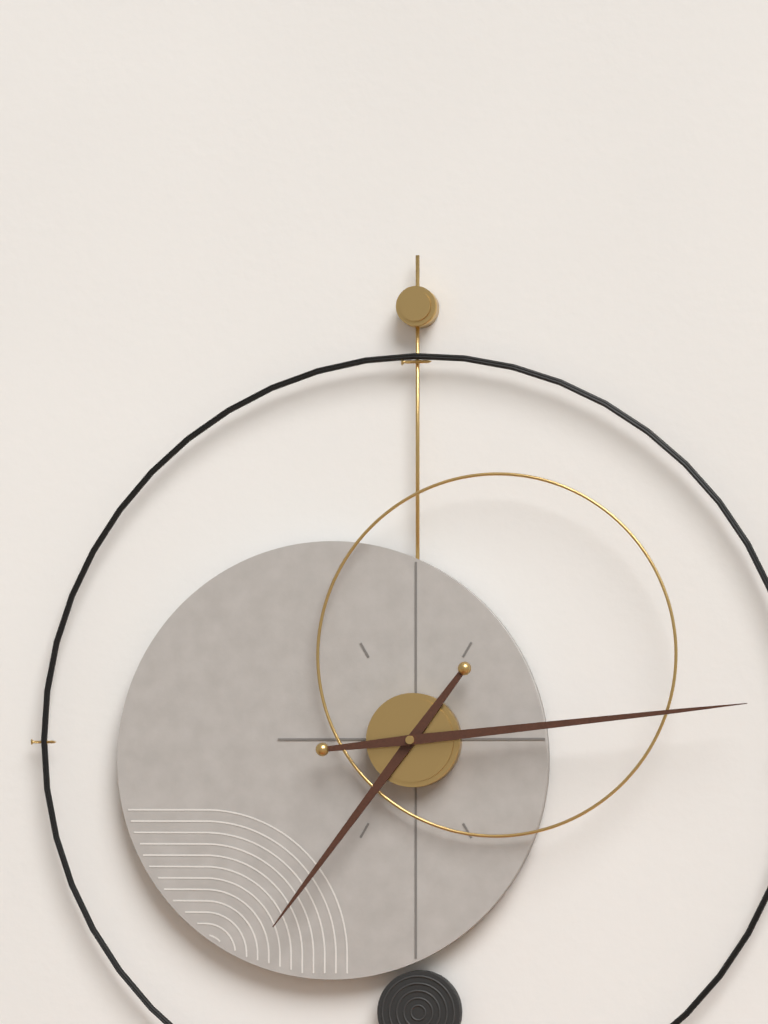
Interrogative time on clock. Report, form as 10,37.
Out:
7,14
